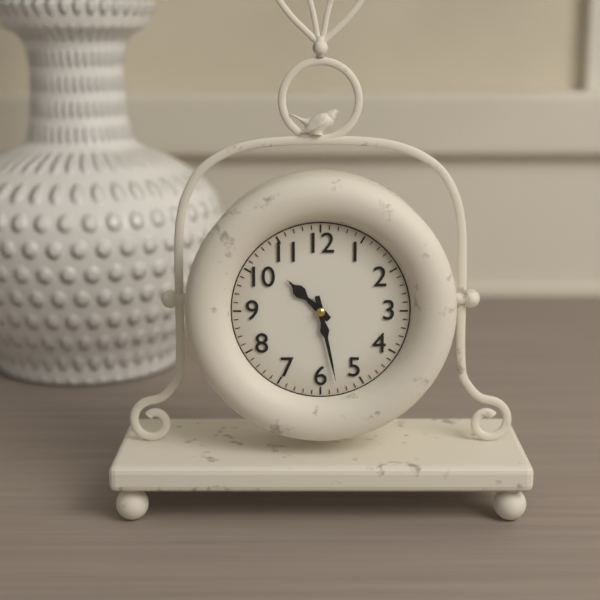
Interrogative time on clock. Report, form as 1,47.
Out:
10,28
